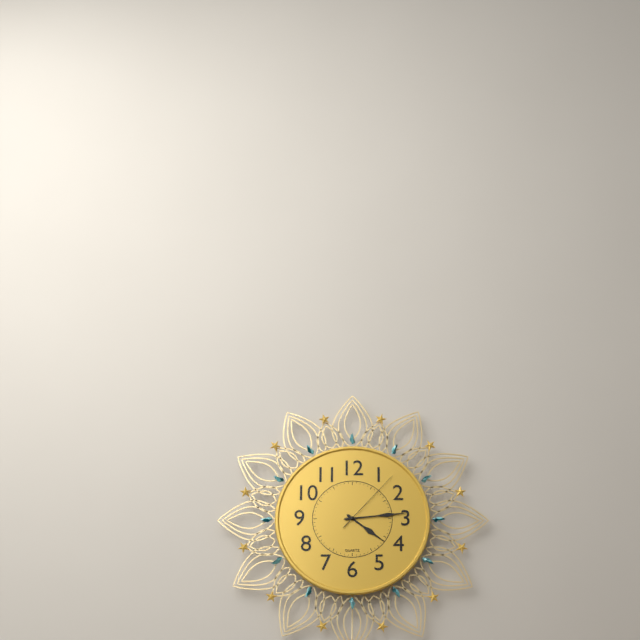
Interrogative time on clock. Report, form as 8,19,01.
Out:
4,14,07
